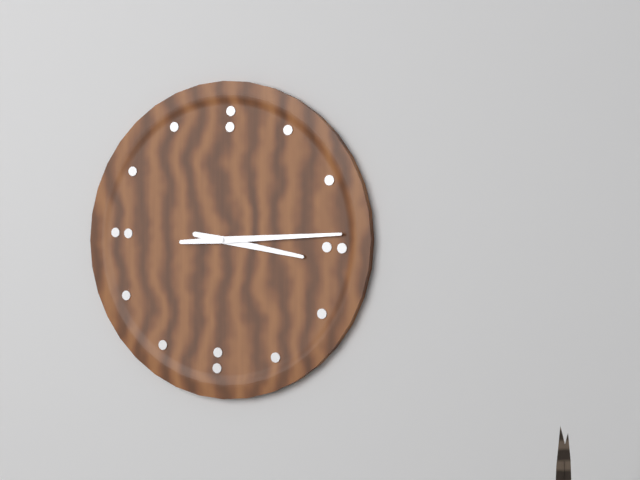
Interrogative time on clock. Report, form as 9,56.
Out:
3,14
